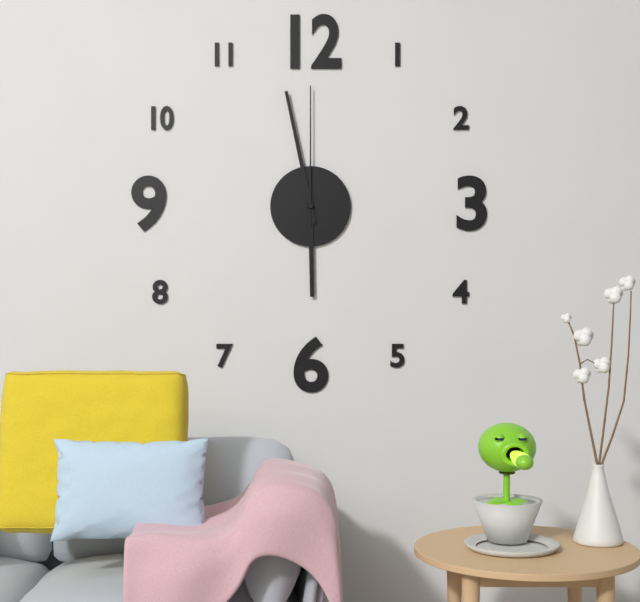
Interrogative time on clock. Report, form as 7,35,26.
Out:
5,58,00
